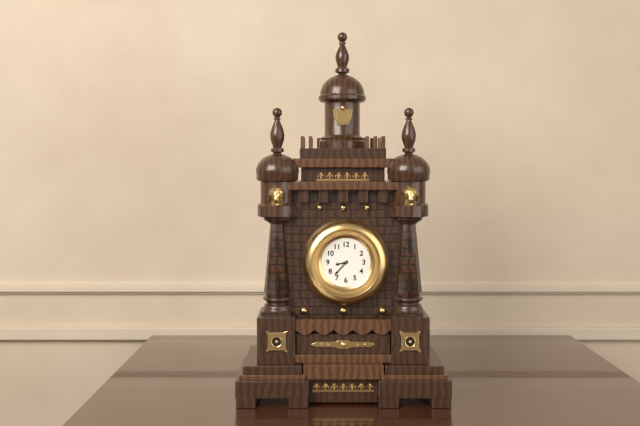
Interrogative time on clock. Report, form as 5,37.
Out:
8,37
